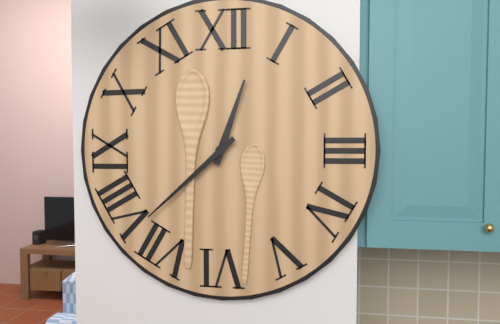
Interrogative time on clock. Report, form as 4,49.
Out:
12,38
